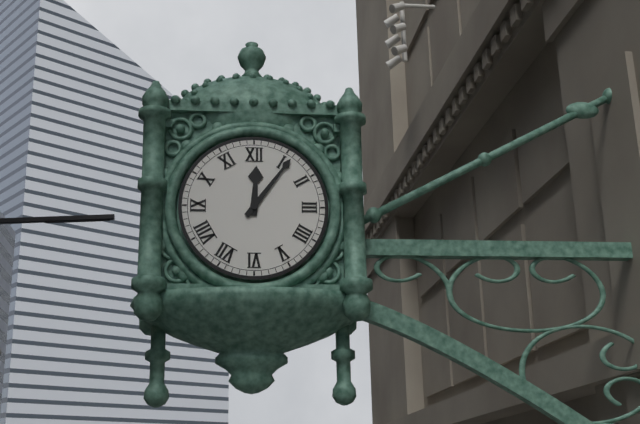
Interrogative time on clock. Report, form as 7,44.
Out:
12,06
